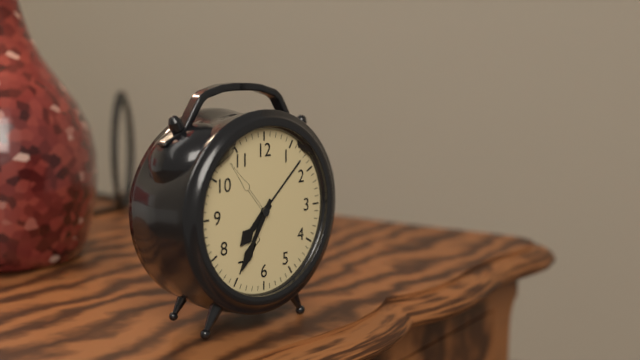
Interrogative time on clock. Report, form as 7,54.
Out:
7,35
